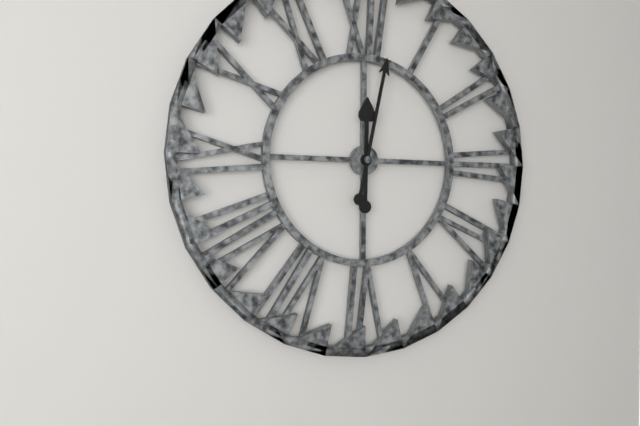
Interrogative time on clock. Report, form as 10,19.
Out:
12,02
